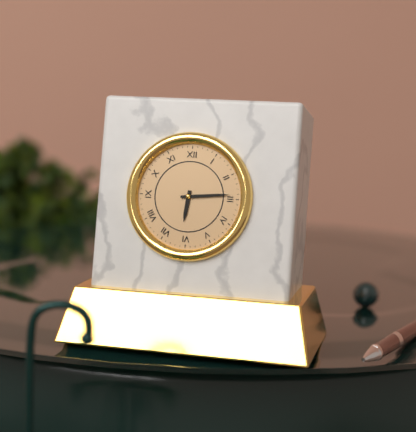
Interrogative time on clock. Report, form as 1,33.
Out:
6,14
